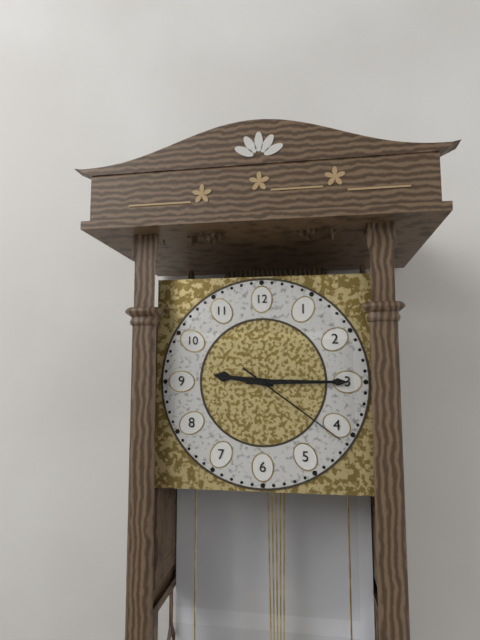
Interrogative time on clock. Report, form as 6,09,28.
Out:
9,15,21
